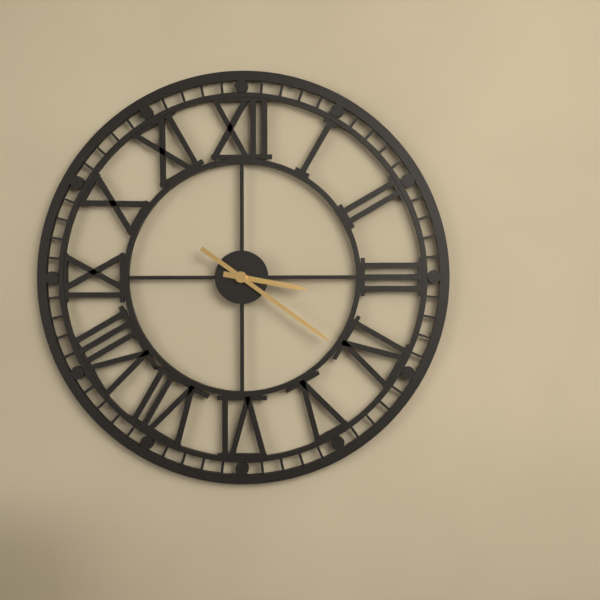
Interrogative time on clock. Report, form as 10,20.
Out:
3,21
